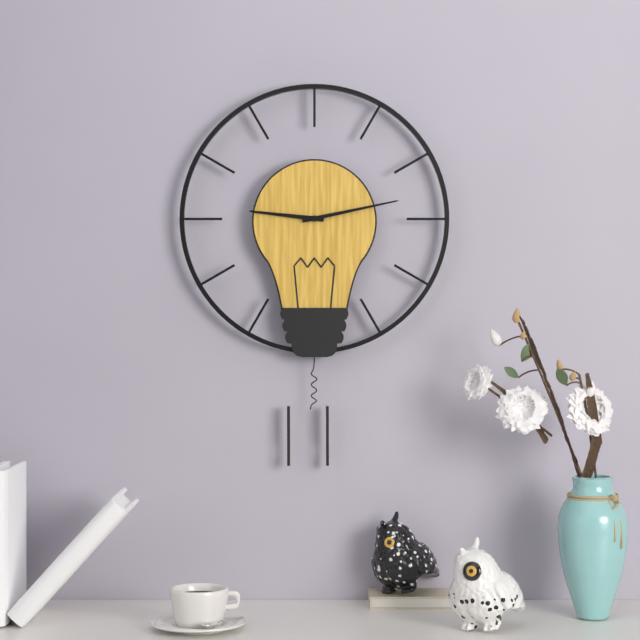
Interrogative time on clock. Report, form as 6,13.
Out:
9,13
